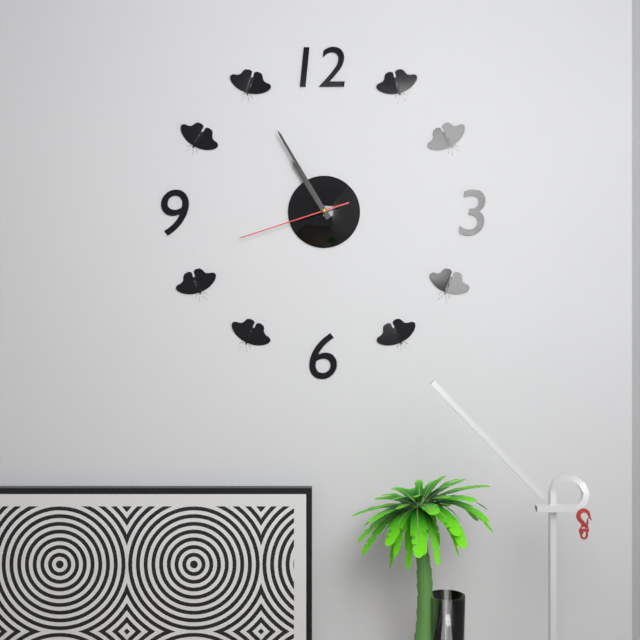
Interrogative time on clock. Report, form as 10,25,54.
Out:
10,55,42
